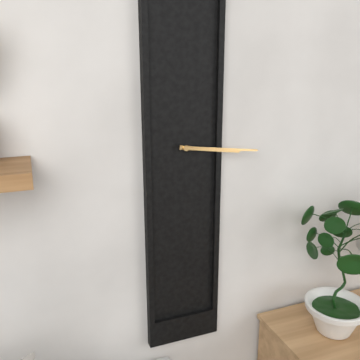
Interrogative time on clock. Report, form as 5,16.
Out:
3,16
